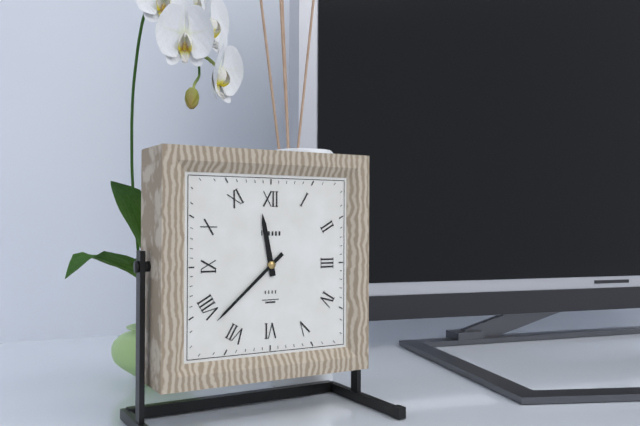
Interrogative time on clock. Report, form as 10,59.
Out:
11,38
